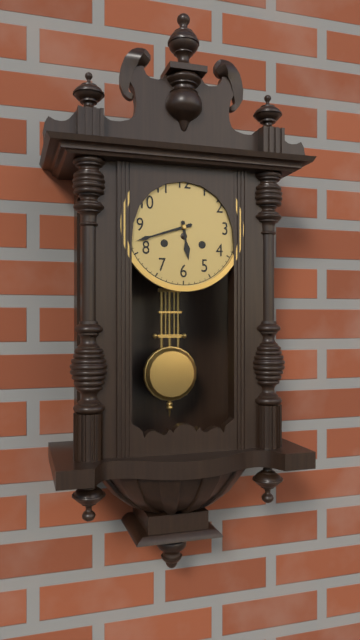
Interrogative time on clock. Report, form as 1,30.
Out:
5,42
